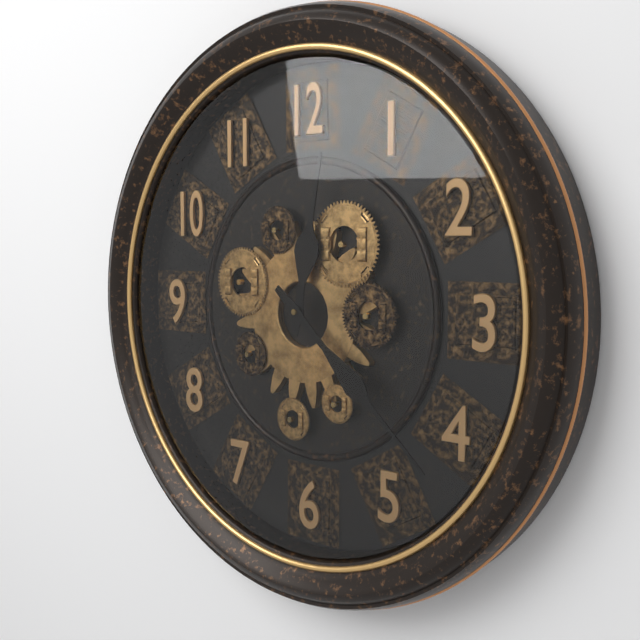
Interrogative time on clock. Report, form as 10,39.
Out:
12,22
